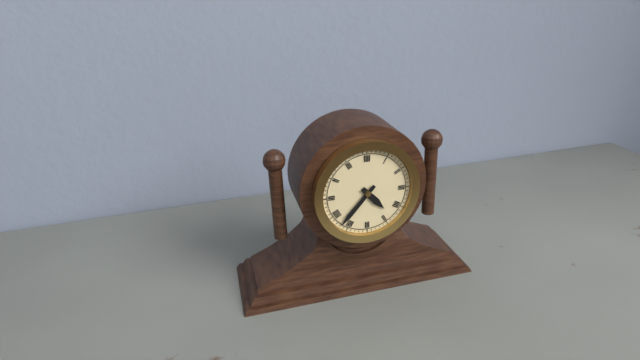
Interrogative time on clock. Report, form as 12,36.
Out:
4,37
